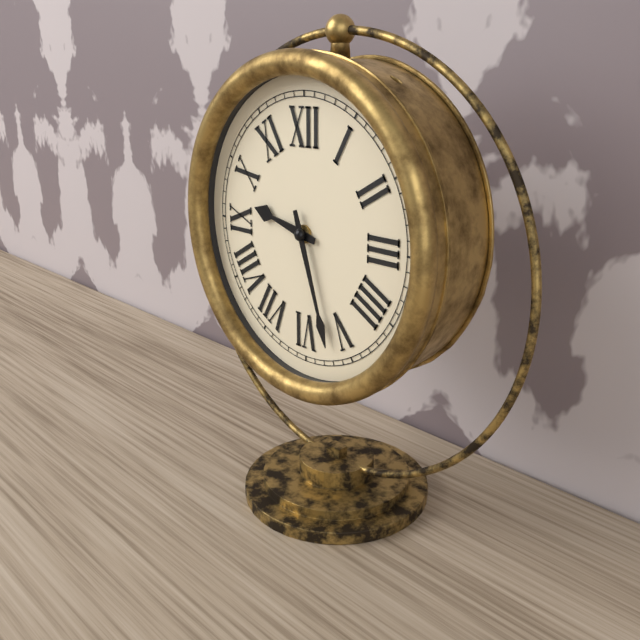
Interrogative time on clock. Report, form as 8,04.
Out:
9,27
